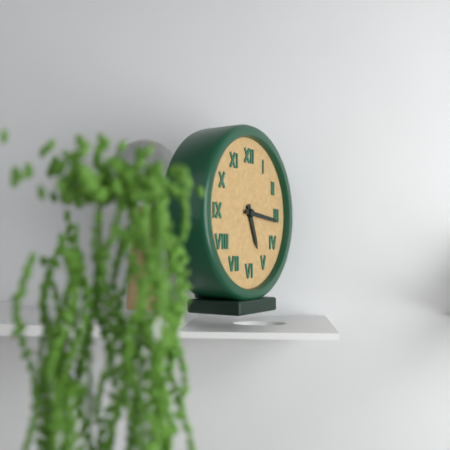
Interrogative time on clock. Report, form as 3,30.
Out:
5,16
